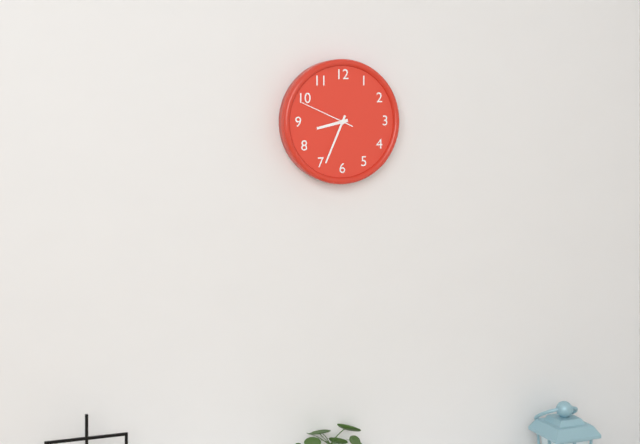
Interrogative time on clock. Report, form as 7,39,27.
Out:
8,34,49
